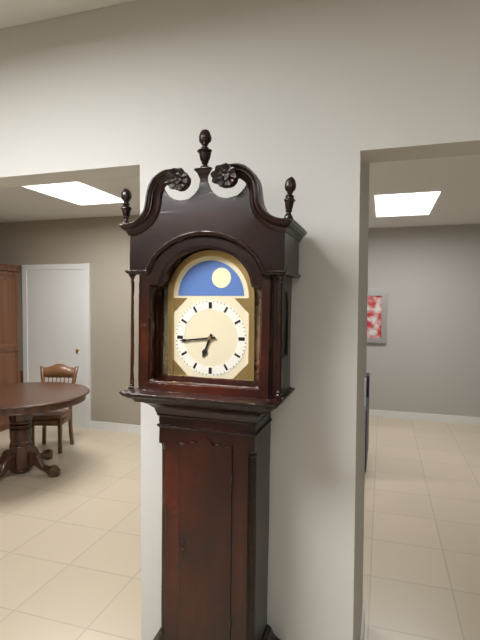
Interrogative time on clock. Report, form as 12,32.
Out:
6,44
